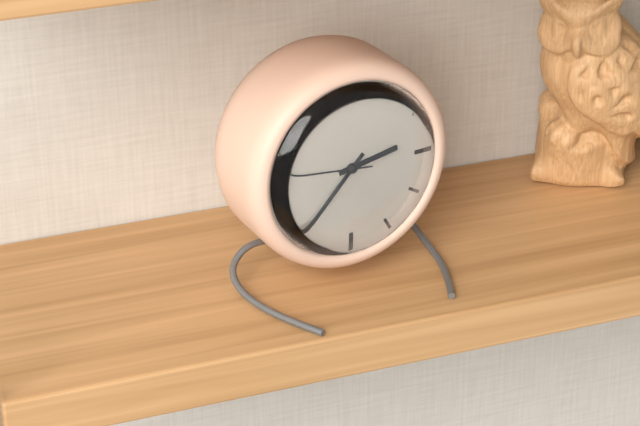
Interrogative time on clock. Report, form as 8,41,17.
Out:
2,37,46
